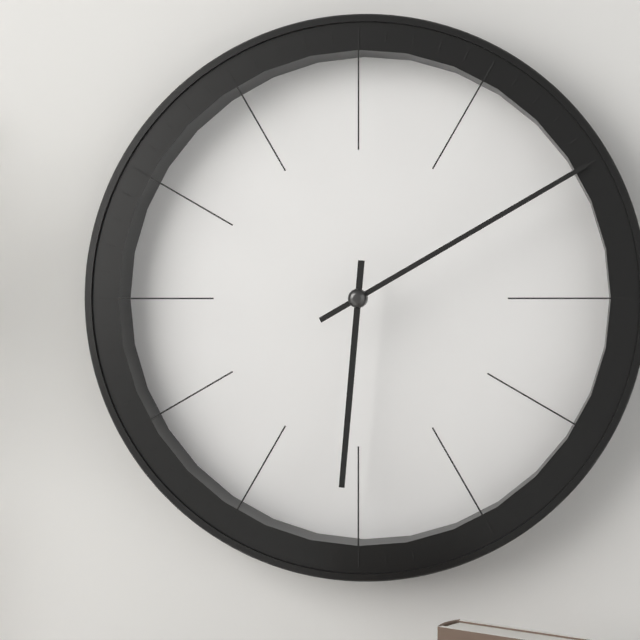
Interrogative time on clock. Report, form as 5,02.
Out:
6,10
